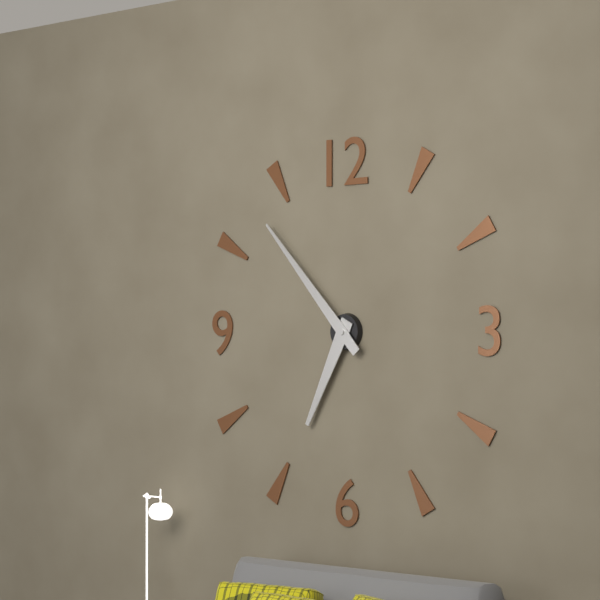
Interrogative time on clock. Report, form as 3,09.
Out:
6,53
